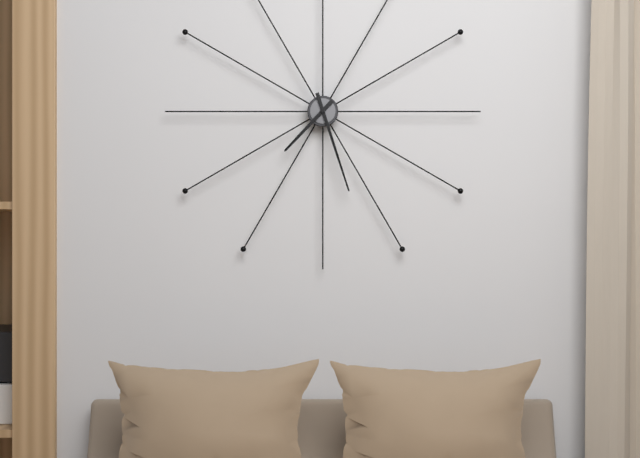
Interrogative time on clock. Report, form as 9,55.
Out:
7,27
